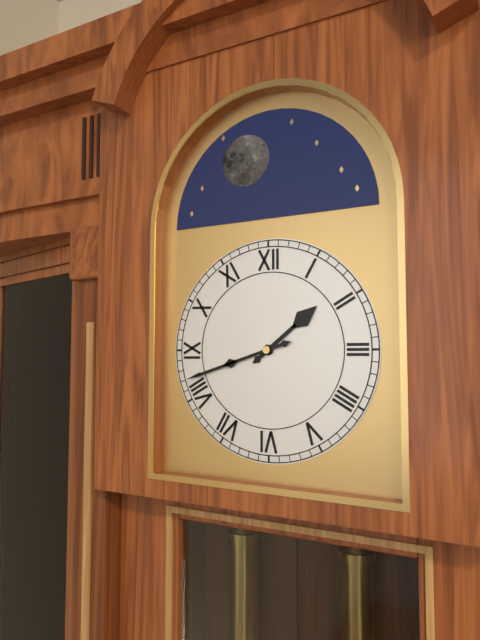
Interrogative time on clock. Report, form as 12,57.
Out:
1,42
